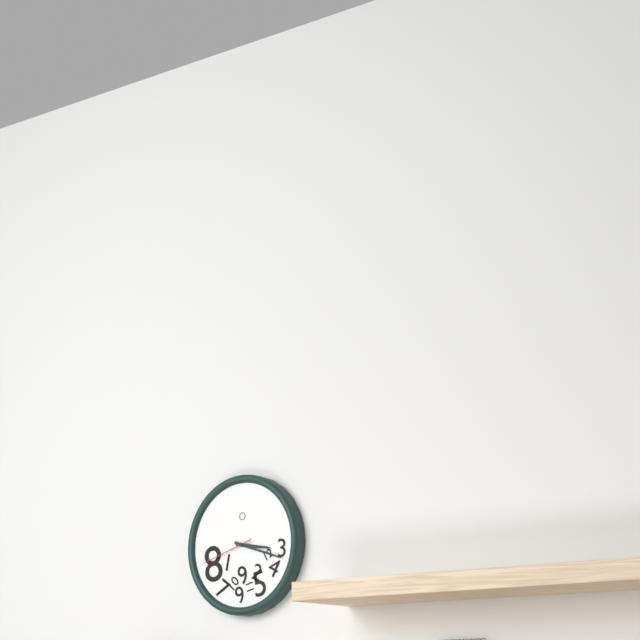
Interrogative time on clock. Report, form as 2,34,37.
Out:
3,18,42
